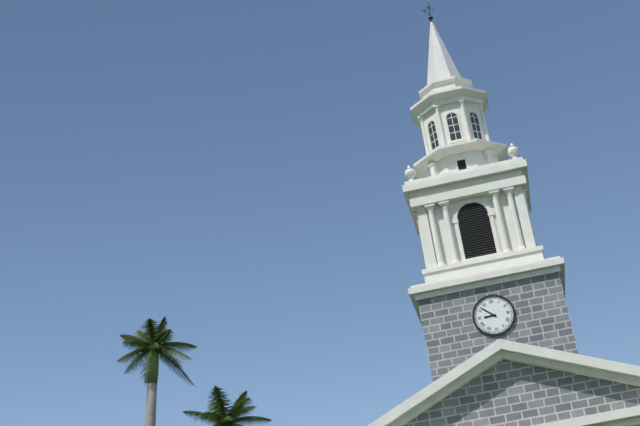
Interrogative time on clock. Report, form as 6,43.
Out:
8,52
